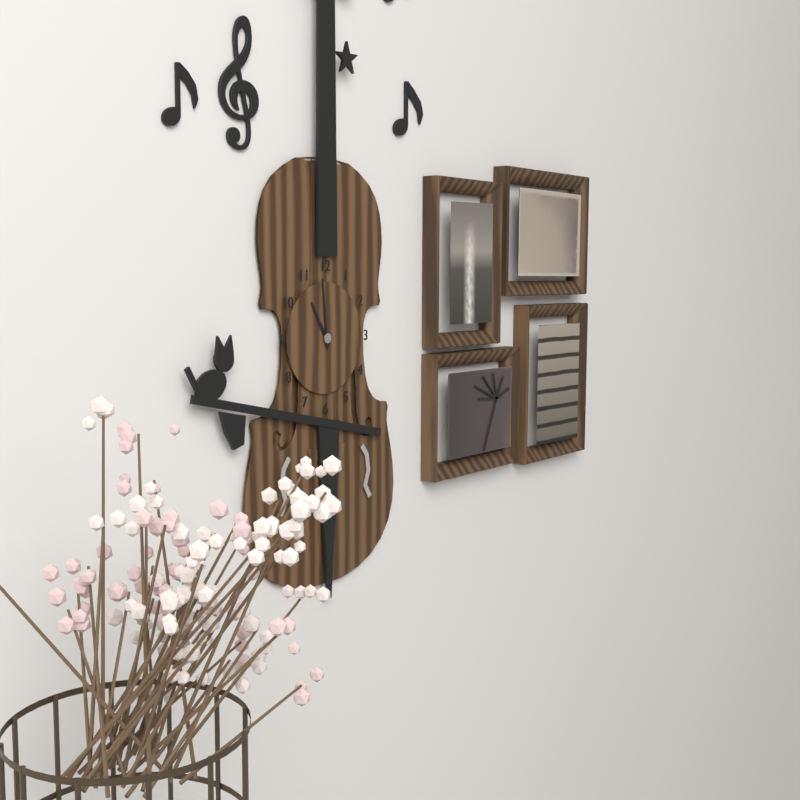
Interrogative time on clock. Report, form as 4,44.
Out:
10,59
